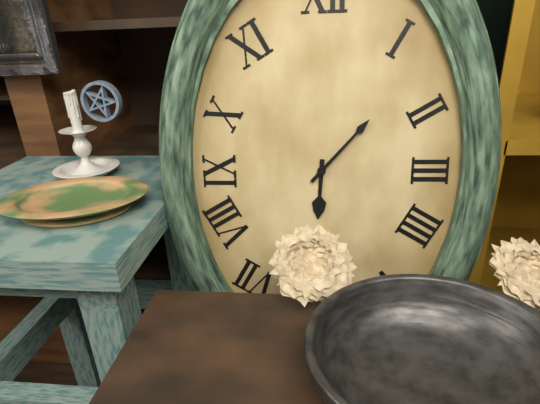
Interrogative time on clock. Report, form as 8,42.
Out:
6,07
